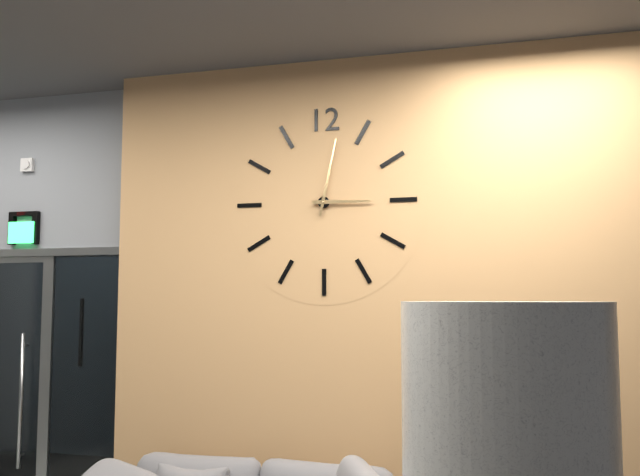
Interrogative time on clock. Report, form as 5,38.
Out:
3,02
